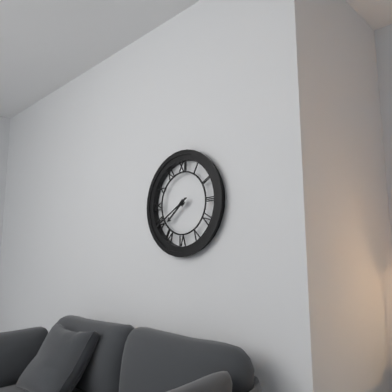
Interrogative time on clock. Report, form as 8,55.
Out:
7,40
